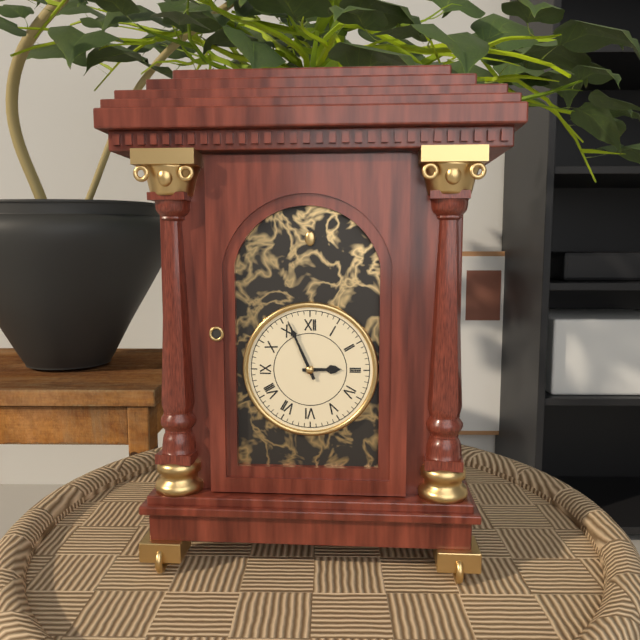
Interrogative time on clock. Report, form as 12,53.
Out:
2,56
